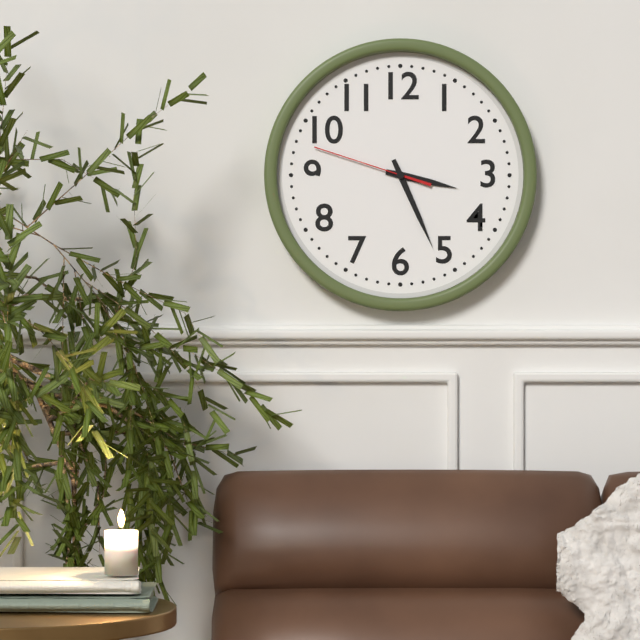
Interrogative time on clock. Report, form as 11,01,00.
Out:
3,26,48
